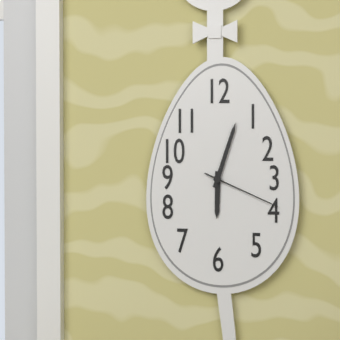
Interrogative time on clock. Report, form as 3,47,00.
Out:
6,03,19
